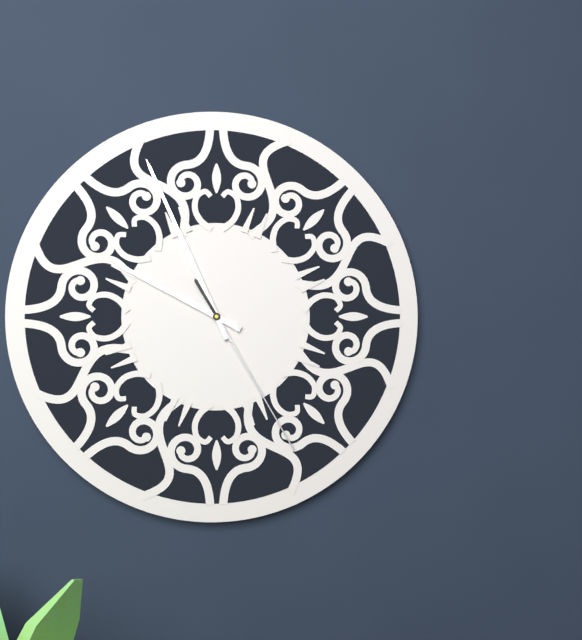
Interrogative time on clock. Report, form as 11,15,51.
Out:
9,56,25
